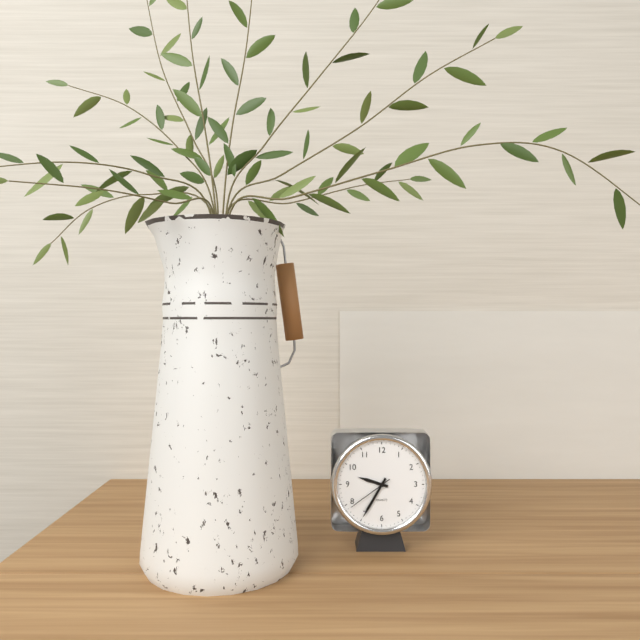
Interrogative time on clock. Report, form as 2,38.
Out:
9,35
